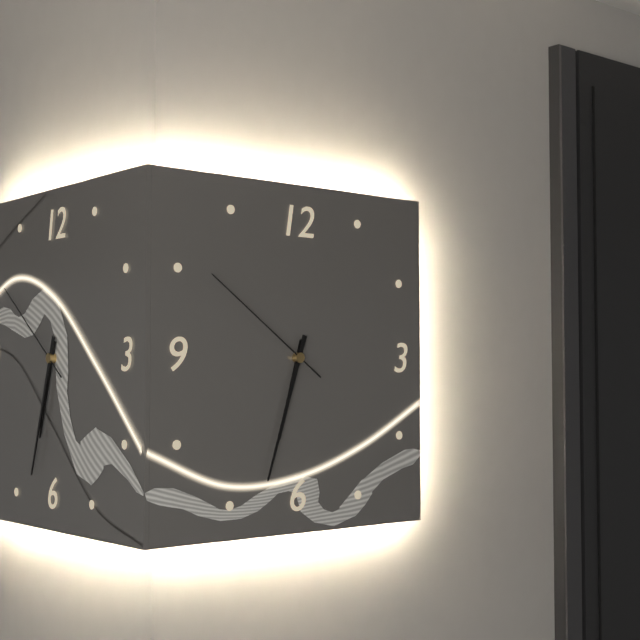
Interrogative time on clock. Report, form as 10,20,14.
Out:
6,33,51
